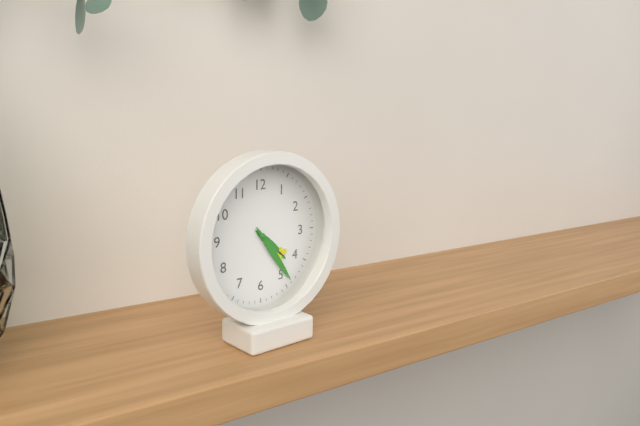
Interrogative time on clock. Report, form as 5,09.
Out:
4,24
